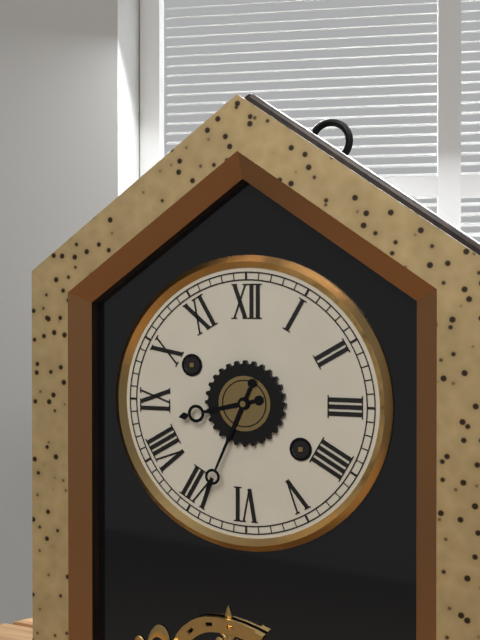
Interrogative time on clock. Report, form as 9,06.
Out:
8,34
